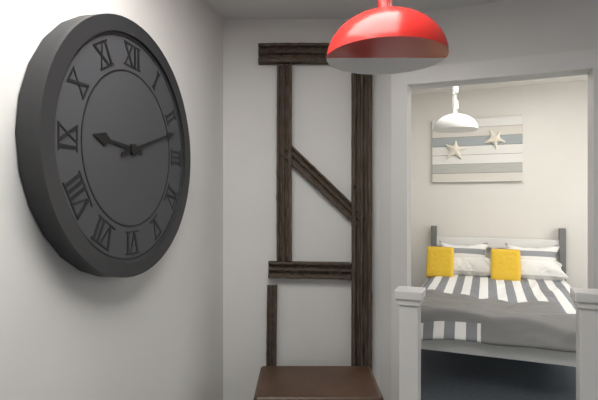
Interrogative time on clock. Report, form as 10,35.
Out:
9,12
